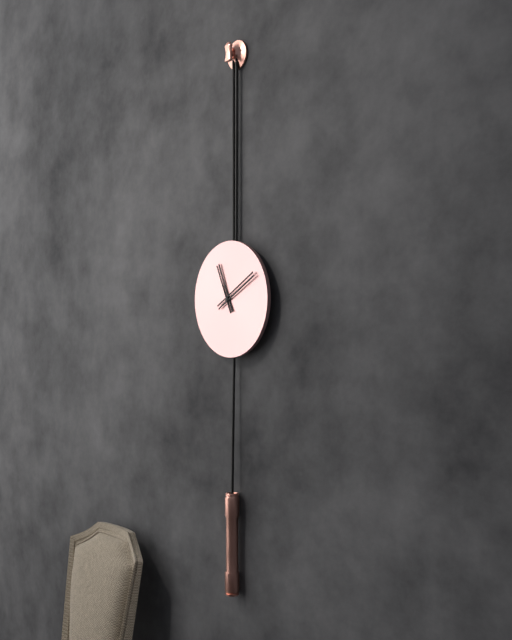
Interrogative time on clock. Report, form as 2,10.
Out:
11,10
